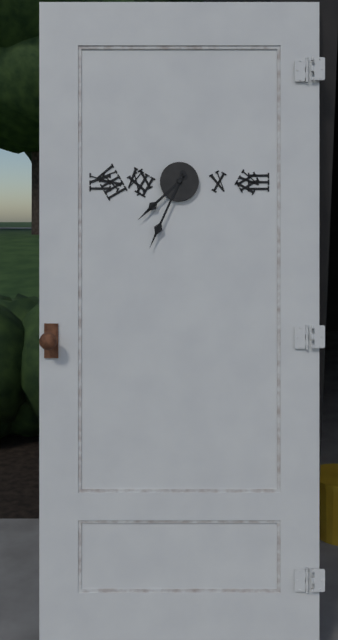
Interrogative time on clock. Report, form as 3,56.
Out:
7,34
